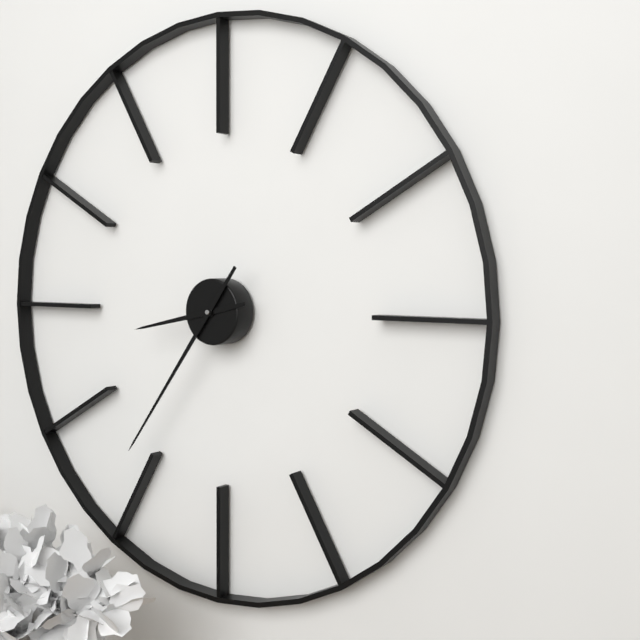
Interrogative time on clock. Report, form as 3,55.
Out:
8,36
